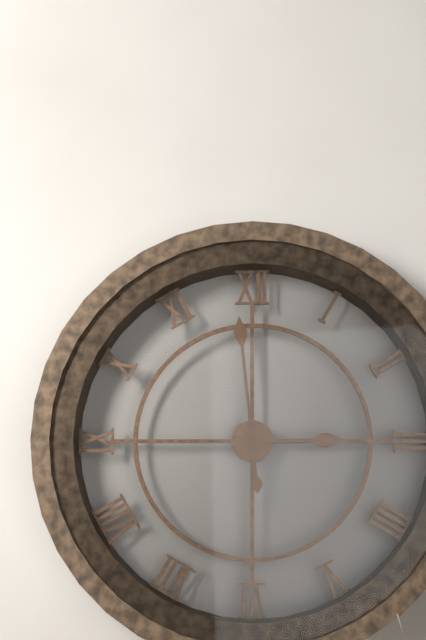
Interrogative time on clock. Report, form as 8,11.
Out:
2,59
